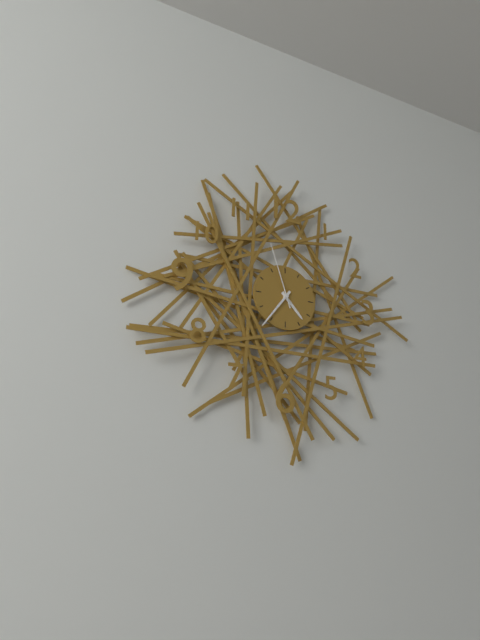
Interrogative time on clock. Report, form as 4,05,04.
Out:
4,36,57
